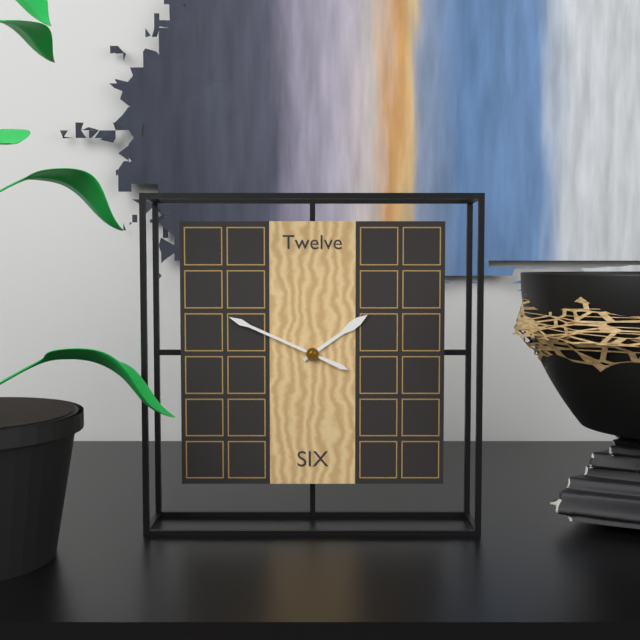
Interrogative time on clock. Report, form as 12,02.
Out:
1,49
